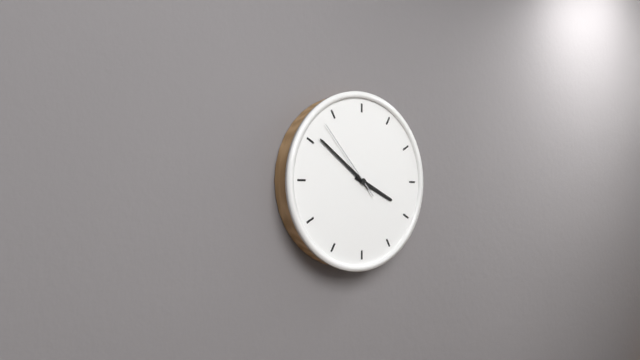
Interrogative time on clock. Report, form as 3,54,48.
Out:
3,51,53
